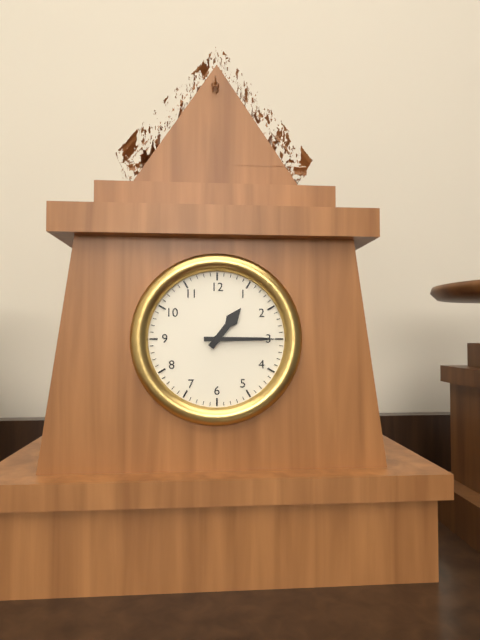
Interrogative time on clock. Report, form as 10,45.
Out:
1,15
